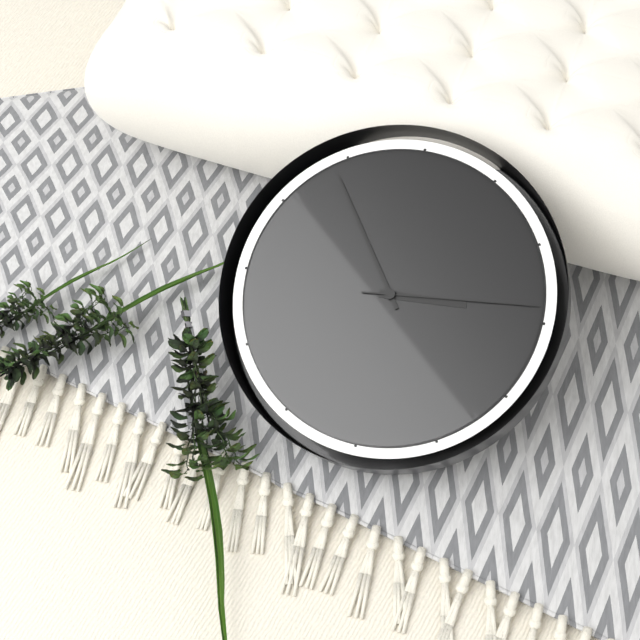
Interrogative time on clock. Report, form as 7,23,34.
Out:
2,54,14
